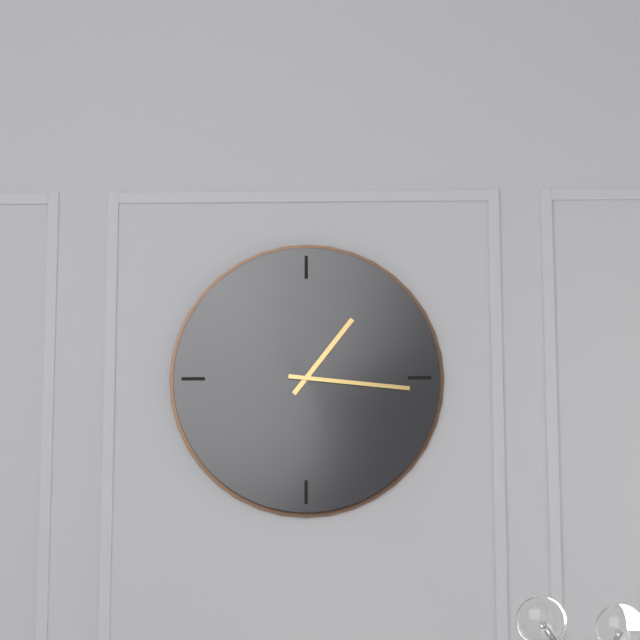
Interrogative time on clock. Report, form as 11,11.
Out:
1,16
